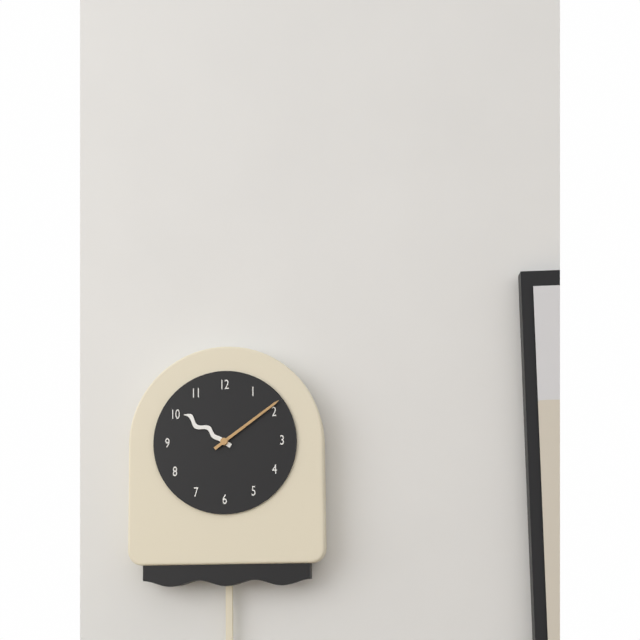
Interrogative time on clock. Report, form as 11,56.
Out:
10,09
